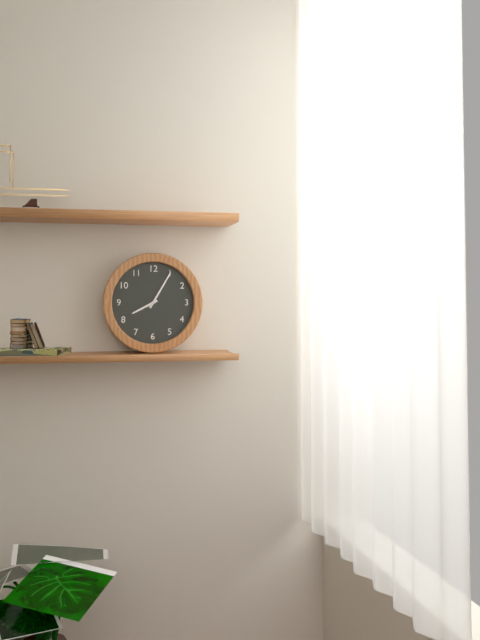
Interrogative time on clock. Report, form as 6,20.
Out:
8,05
